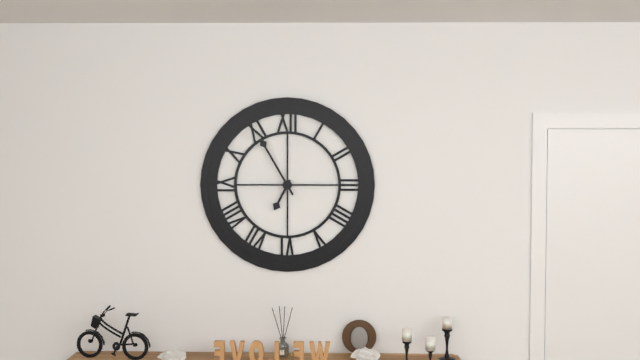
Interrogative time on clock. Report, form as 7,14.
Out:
6,55
